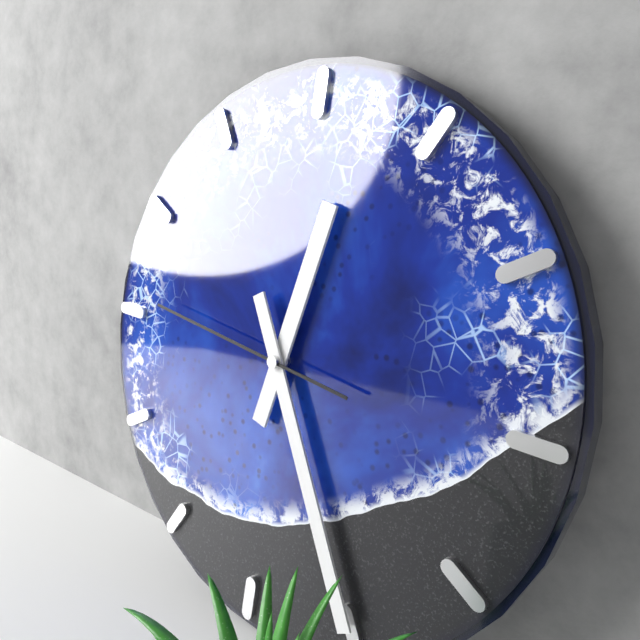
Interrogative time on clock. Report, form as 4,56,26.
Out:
12,25,46
